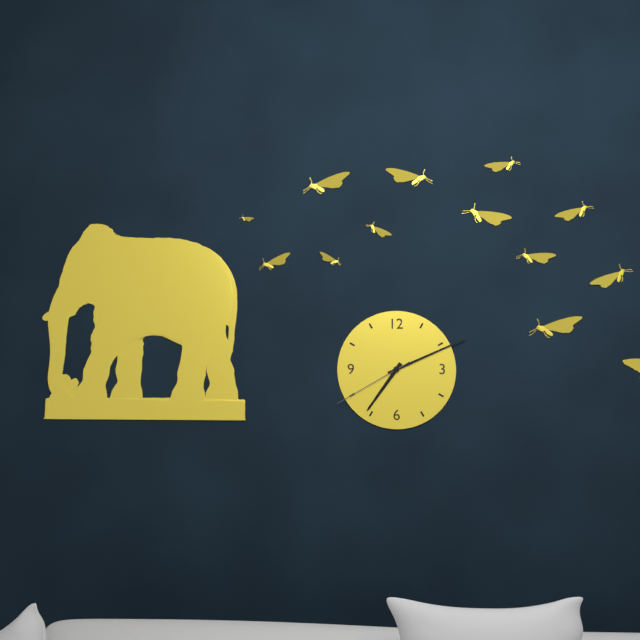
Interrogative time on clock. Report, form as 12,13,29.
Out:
7,11,40
